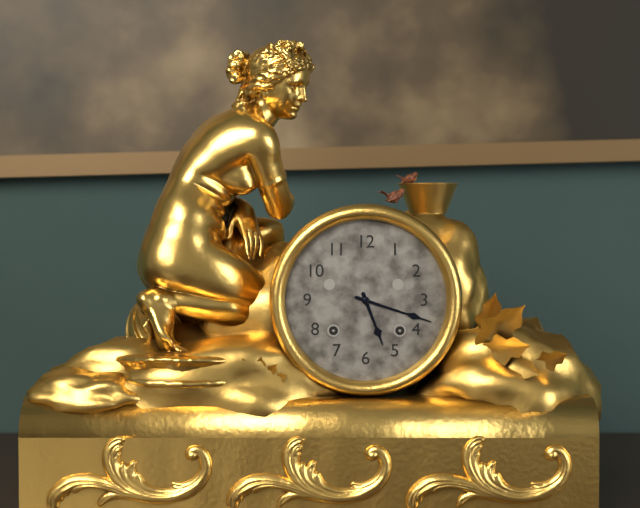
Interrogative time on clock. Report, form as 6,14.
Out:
5,18
